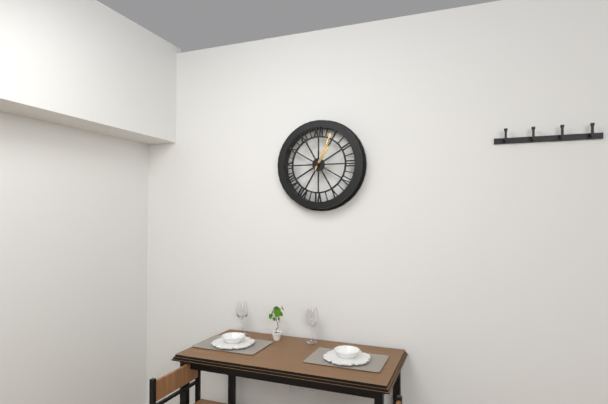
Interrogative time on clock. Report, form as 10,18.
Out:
1,04
